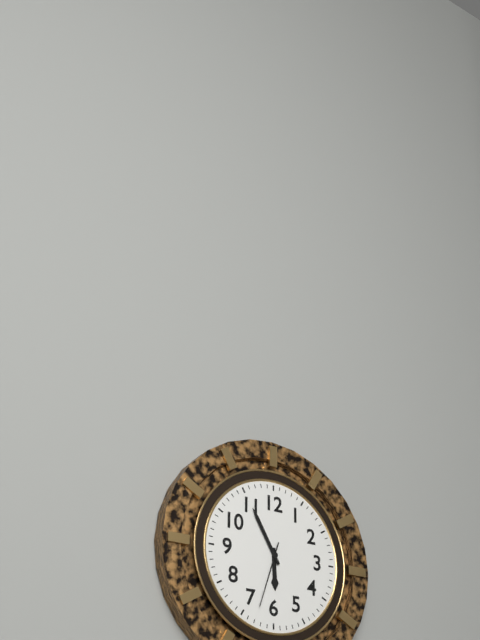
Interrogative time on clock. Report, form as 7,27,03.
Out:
5,55,33
